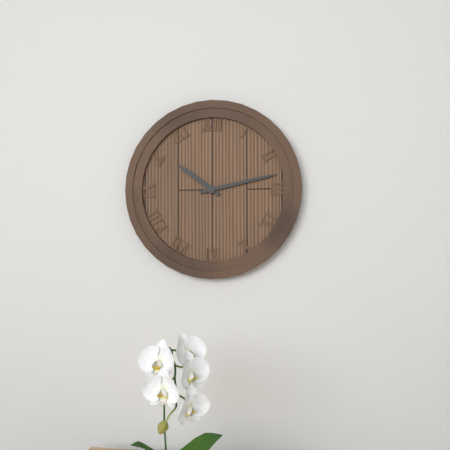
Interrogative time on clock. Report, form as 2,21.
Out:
10,13
